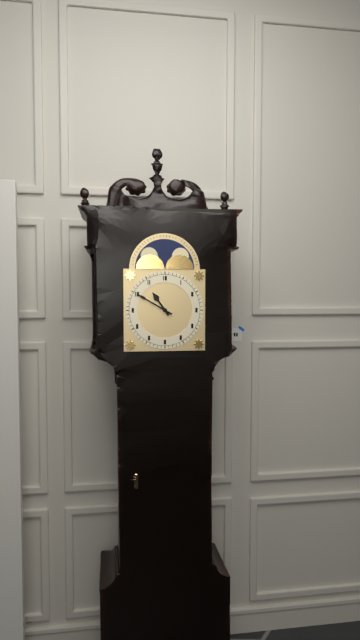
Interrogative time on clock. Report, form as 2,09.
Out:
10,50
